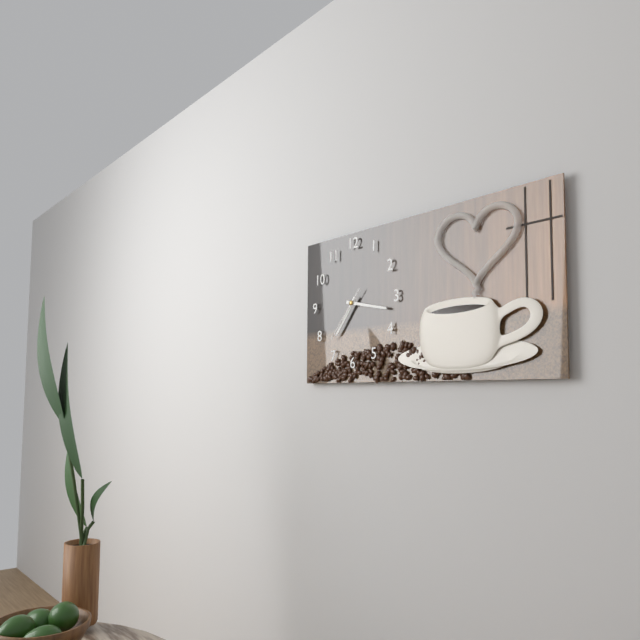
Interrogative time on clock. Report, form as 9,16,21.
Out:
7,17,37
